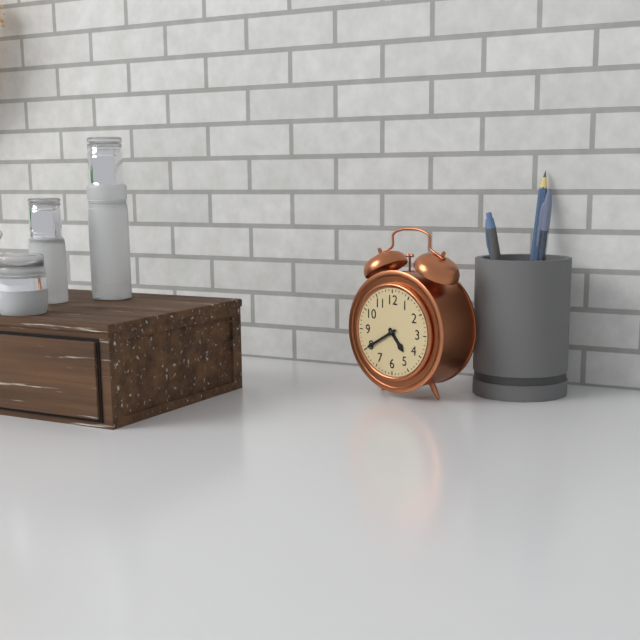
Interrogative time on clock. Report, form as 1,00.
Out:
4,40
